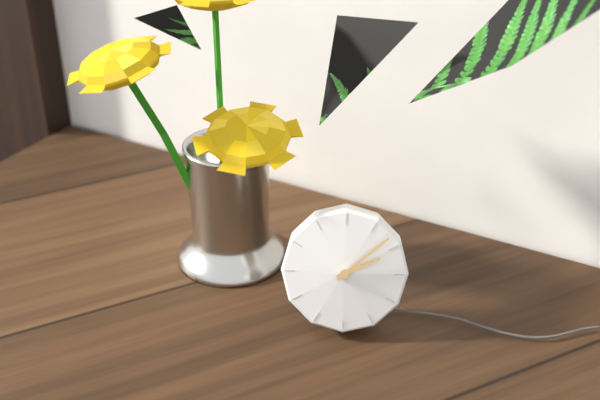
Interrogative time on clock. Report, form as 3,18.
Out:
2,08
